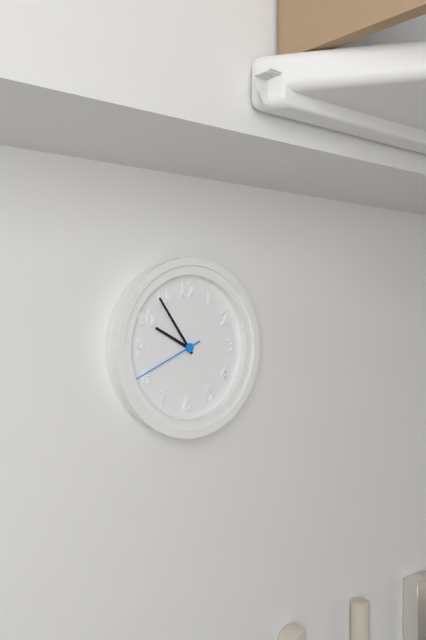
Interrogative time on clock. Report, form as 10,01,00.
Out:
9,54,41
